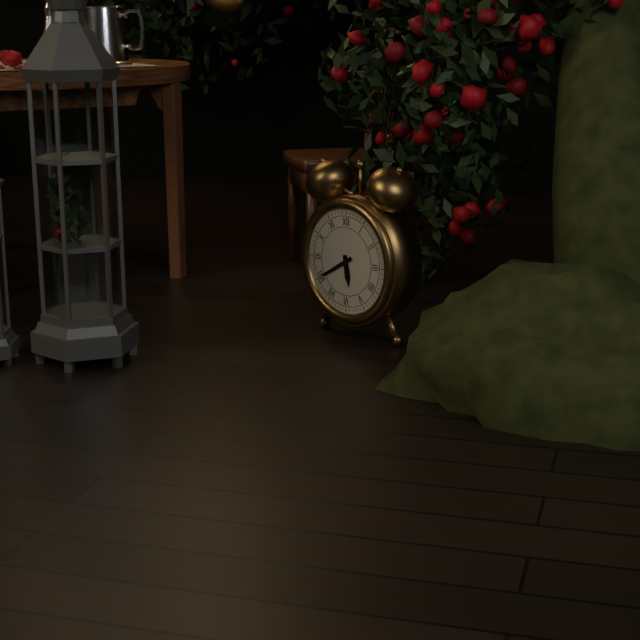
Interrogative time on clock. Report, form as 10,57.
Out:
5,40
